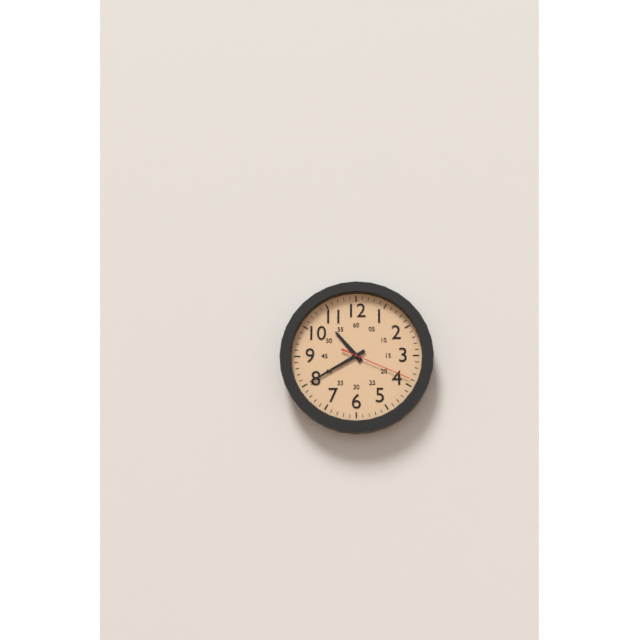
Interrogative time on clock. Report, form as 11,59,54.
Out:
10,40,19
